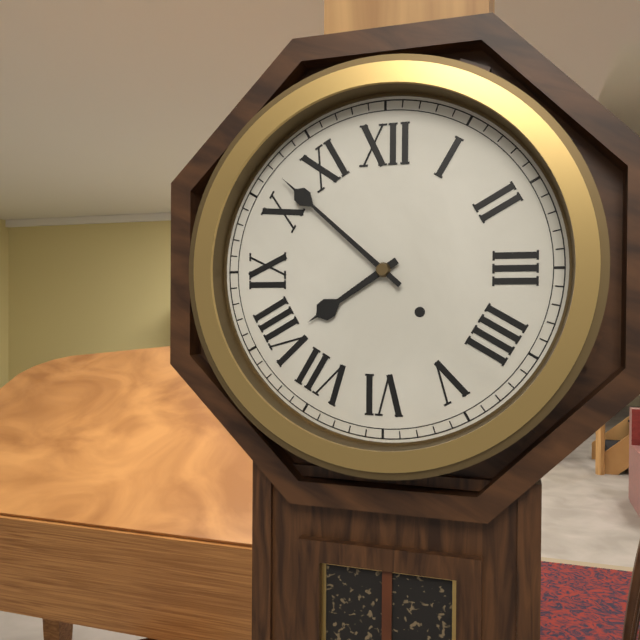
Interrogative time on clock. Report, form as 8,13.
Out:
7,52
